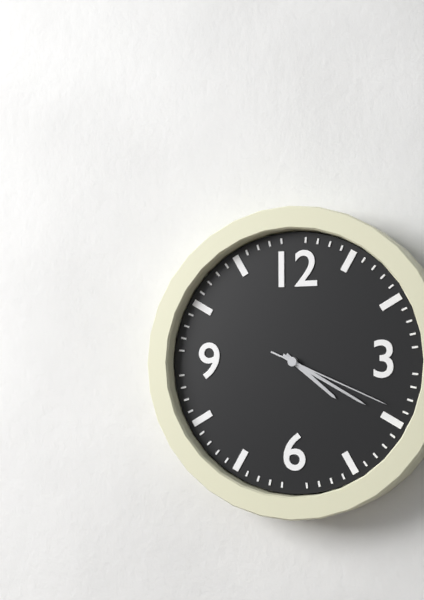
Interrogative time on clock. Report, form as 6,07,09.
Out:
4,20,19
